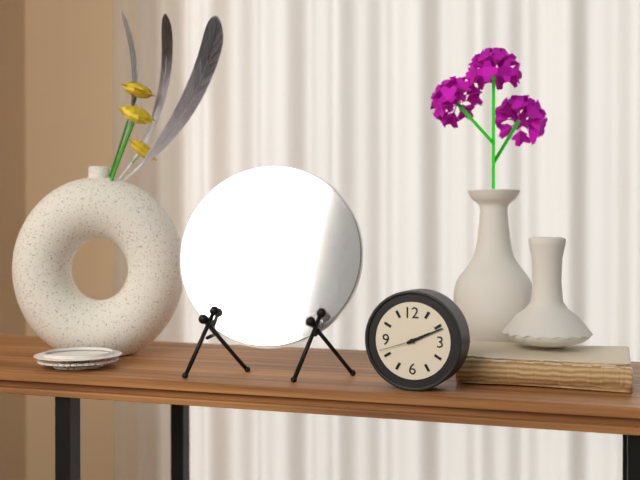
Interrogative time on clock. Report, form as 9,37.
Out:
2,11
